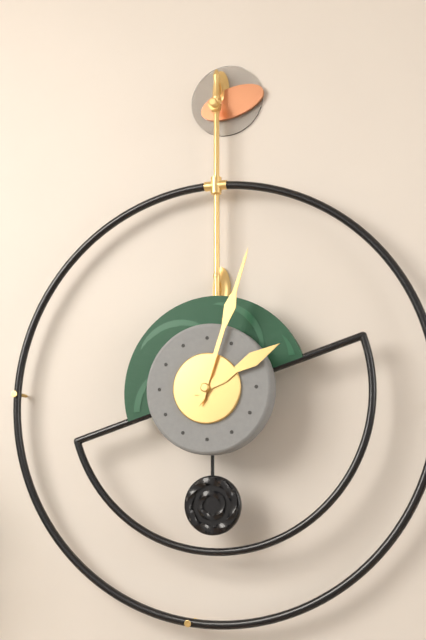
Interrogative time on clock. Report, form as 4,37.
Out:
2,03
